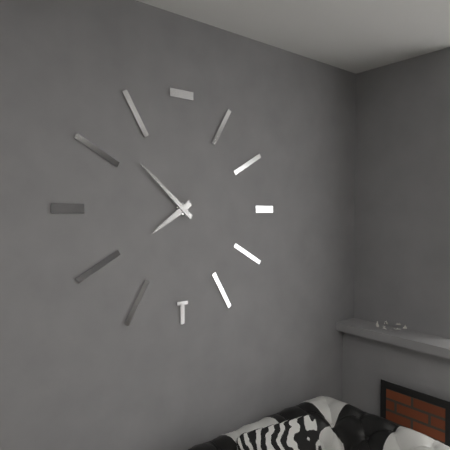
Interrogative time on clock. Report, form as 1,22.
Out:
7,52
